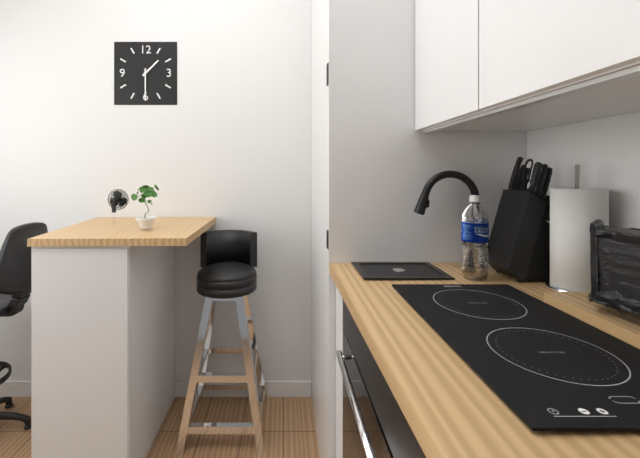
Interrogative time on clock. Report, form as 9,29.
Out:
1,30
